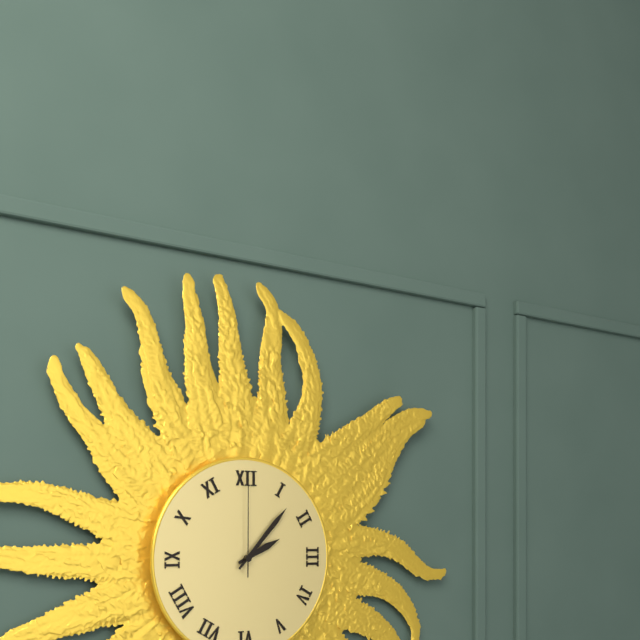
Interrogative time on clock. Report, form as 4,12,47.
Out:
2,07,00
